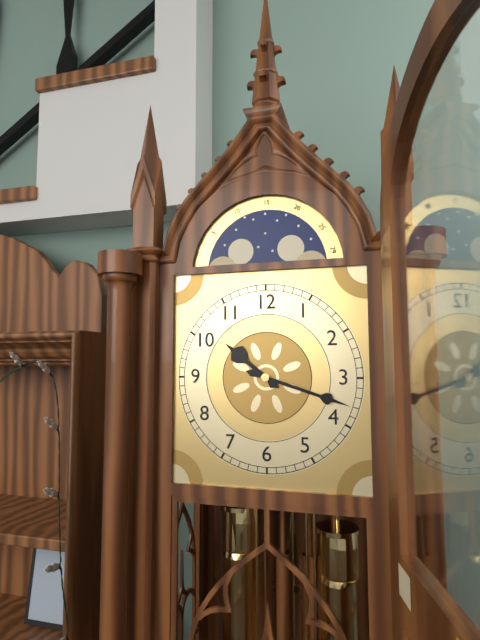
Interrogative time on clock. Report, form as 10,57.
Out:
10,18
